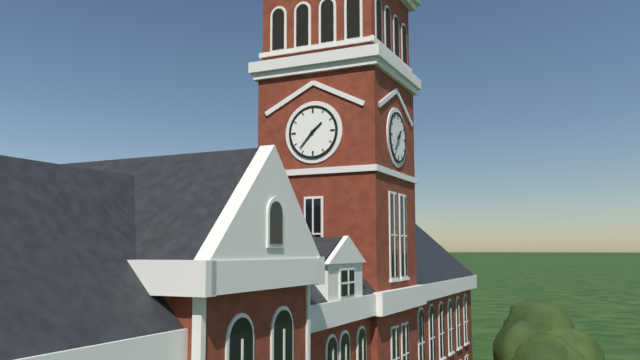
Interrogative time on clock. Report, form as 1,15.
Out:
1,37
